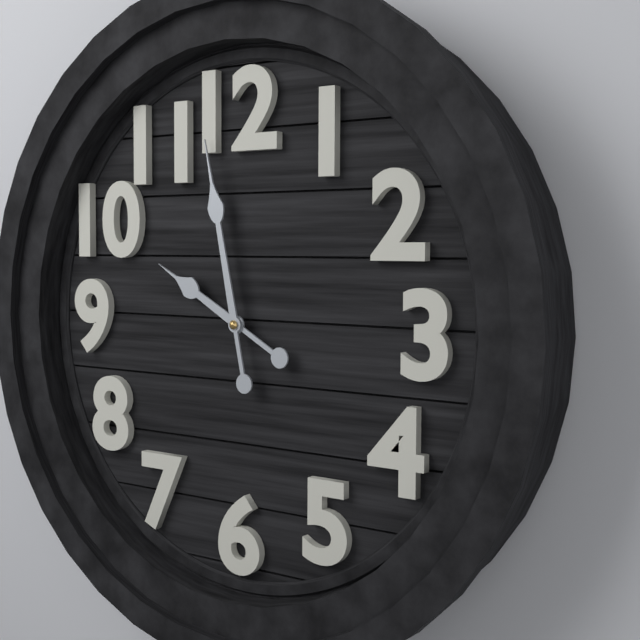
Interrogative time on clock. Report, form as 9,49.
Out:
9,58
